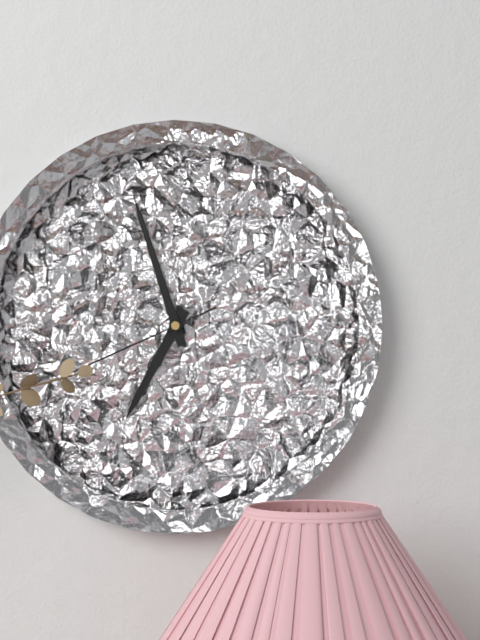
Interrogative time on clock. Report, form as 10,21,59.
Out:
6,57,41
